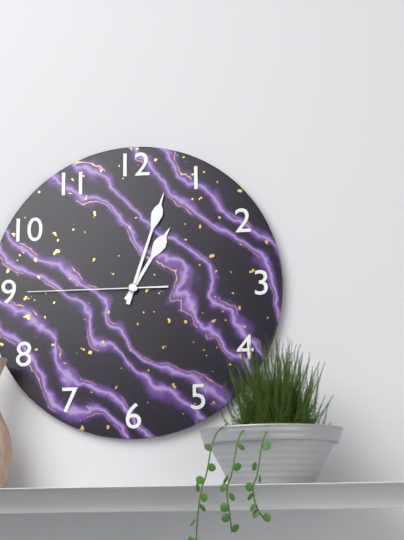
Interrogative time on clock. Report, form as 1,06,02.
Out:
1,03,45
